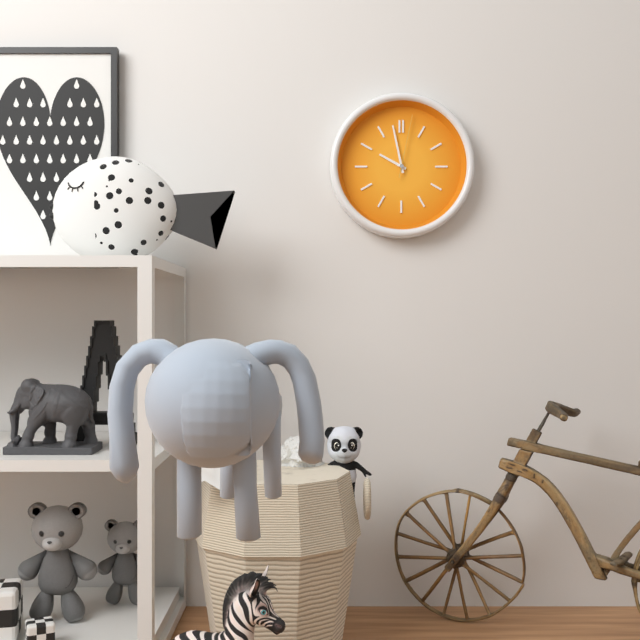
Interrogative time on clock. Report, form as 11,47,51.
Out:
9,58,02
